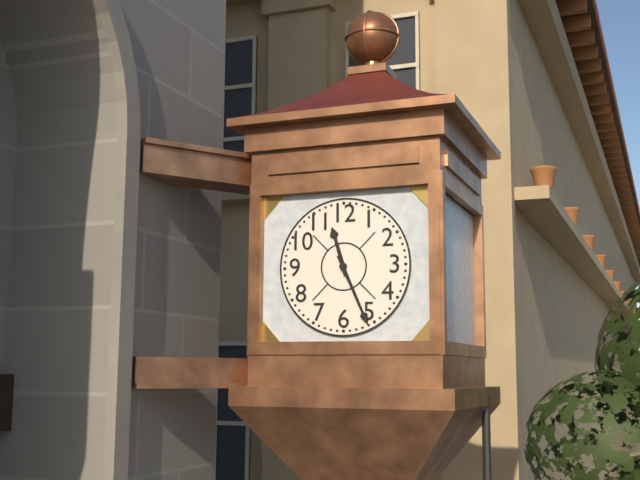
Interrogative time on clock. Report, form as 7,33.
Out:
11,26
